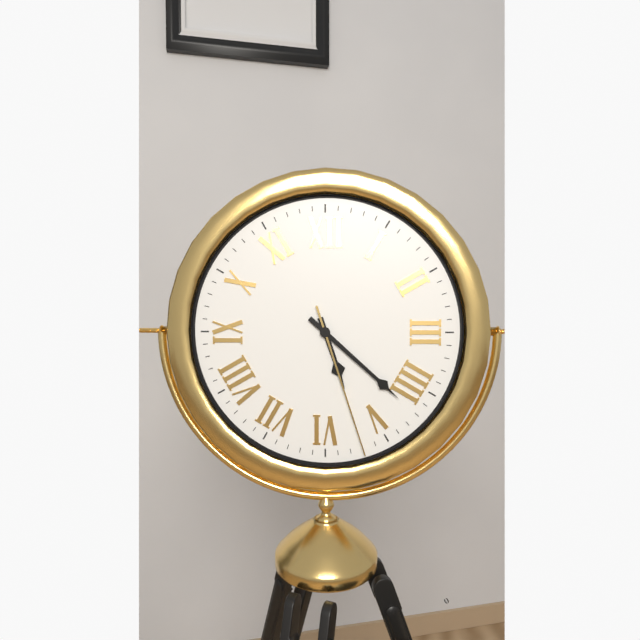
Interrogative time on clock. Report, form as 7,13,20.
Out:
5,22,27
